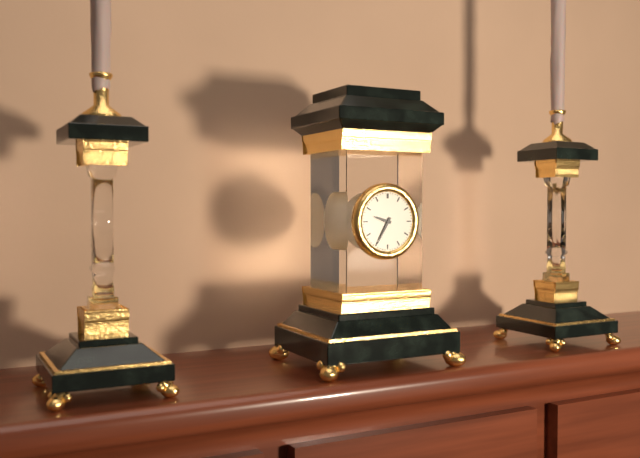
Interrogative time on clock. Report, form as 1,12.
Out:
9,35
